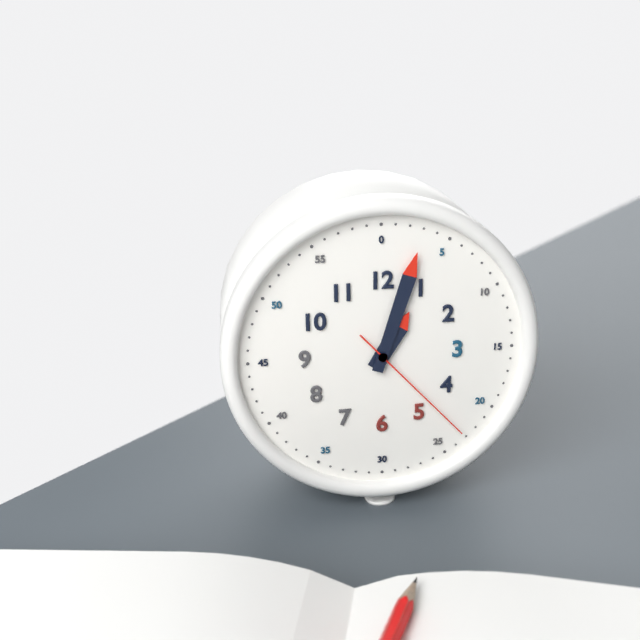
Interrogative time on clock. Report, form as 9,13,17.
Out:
1,03,23
